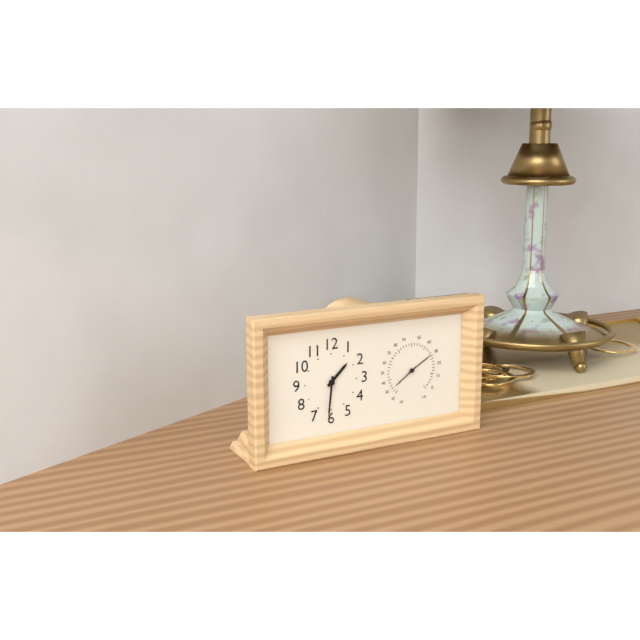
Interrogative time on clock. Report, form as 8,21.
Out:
1,31
